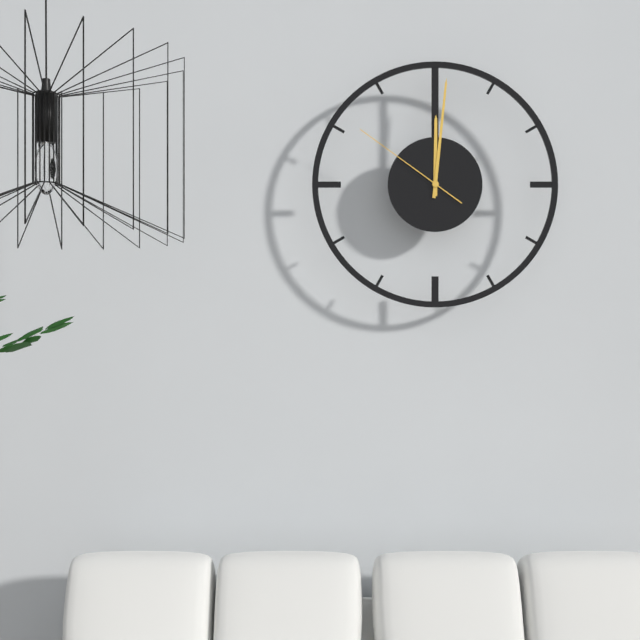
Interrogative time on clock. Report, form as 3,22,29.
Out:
12,01,51
